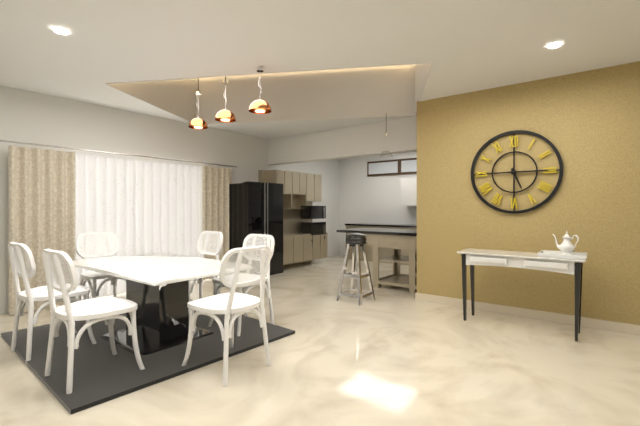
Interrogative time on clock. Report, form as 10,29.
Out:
5,15
